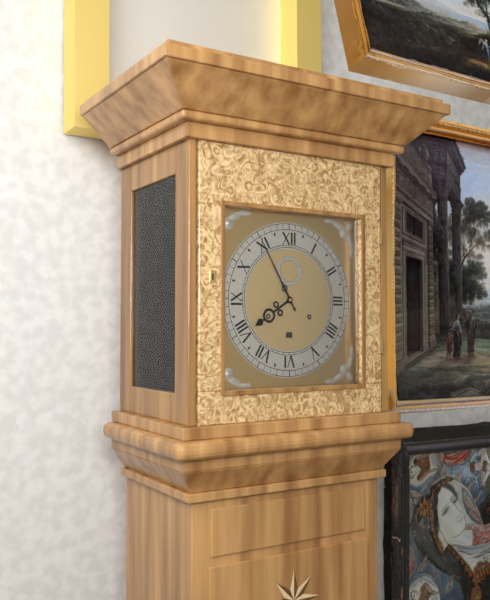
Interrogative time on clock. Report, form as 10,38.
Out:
7,55
